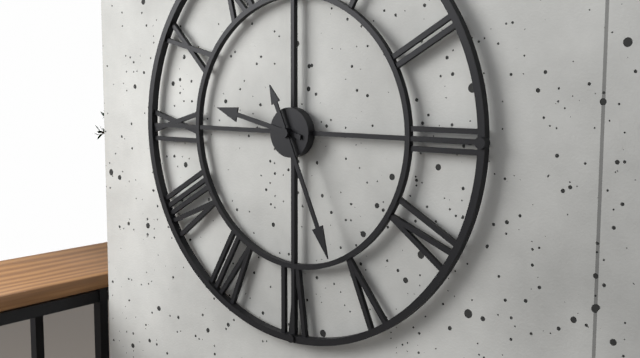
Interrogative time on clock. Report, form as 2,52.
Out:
9,26
